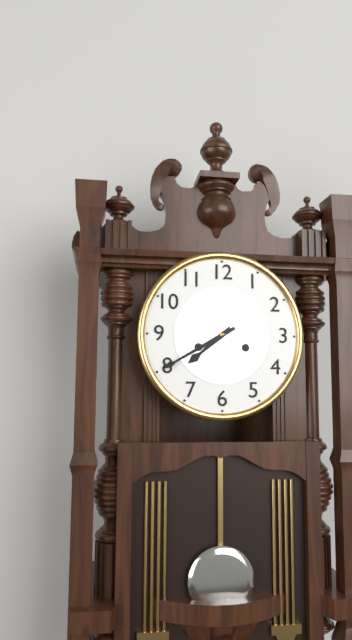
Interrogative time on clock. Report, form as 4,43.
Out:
7,40
